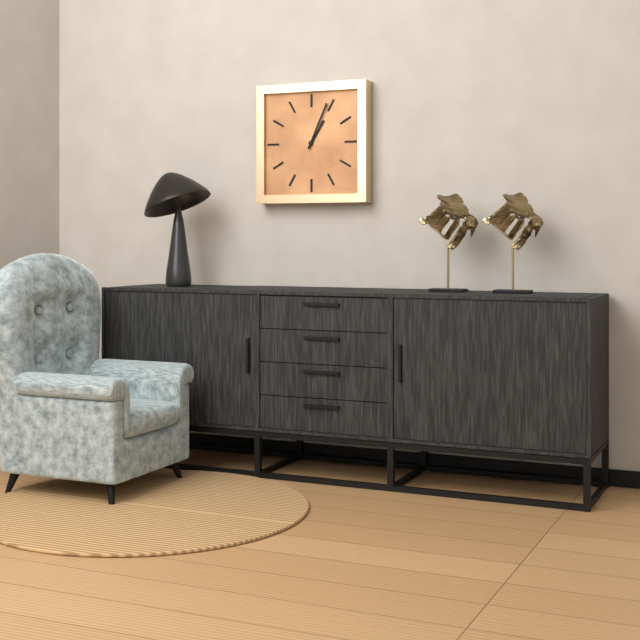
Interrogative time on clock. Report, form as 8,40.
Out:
1,04
